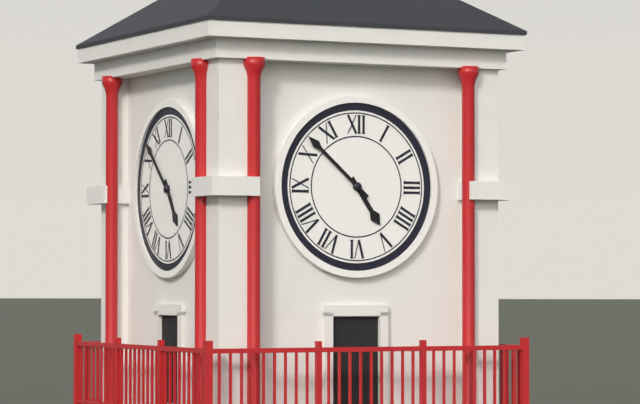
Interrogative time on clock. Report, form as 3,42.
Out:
4,52
